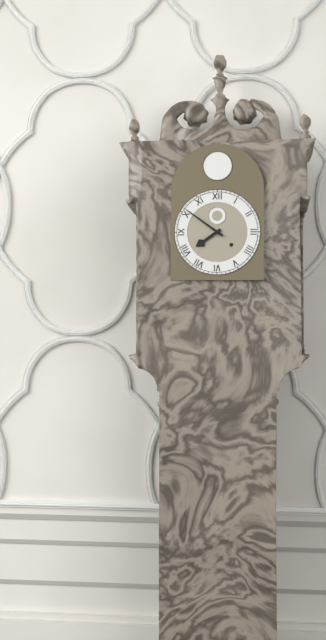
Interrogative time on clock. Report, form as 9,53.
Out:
7,51
